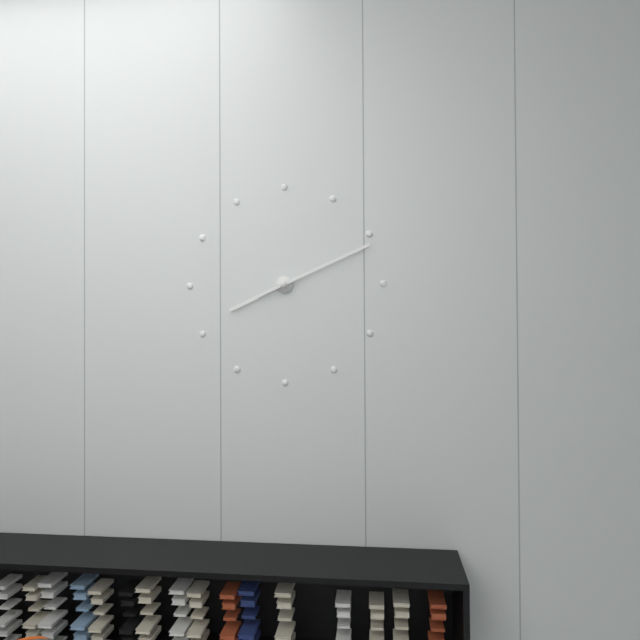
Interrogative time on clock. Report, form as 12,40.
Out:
8,11
